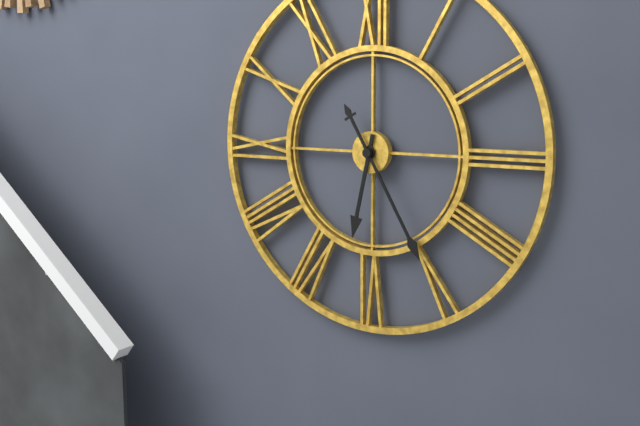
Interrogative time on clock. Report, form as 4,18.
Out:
6,25
